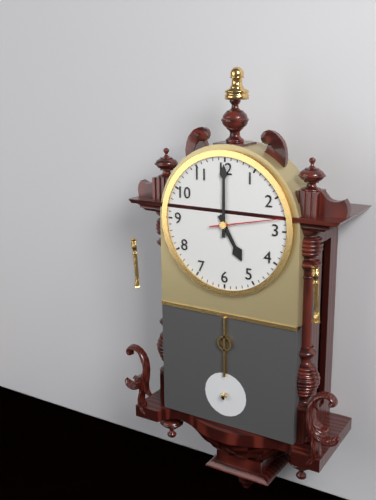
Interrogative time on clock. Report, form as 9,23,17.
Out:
5,00,13
